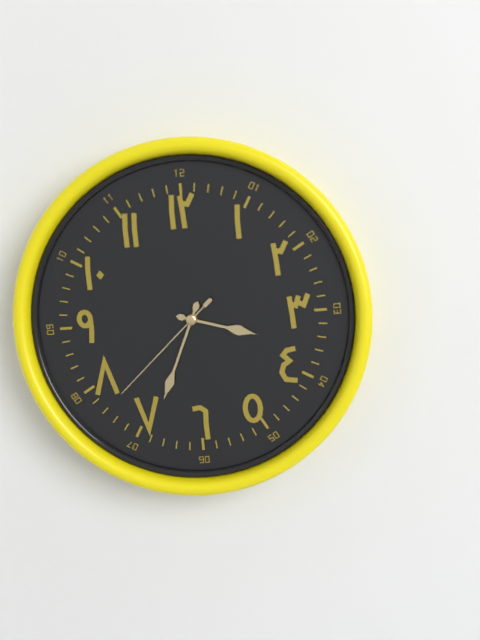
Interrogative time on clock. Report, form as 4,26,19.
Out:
3,34,38
